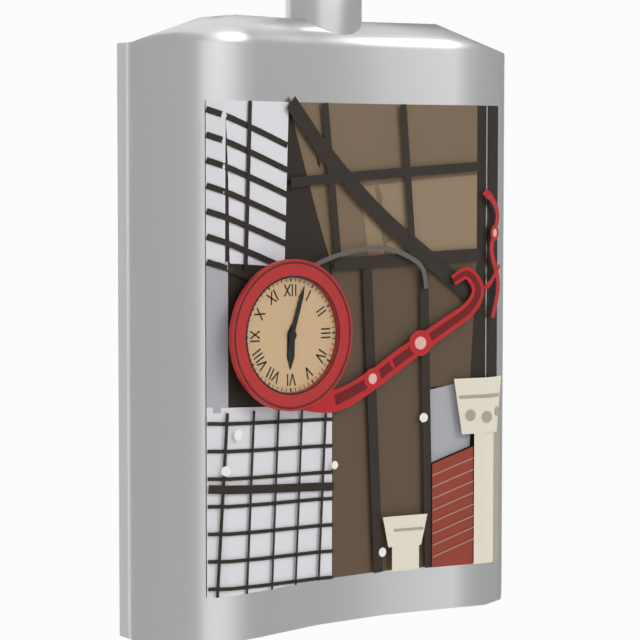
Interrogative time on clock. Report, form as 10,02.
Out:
6,03
